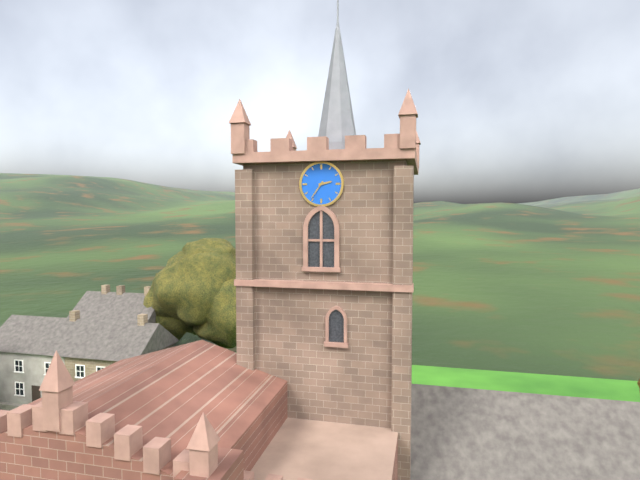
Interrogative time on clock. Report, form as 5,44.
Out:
2,36
